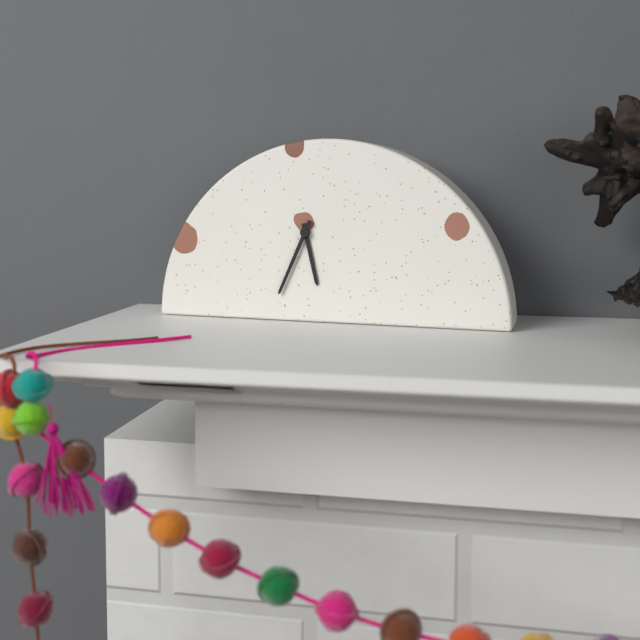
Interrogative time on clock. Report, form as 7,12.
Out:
5,34
